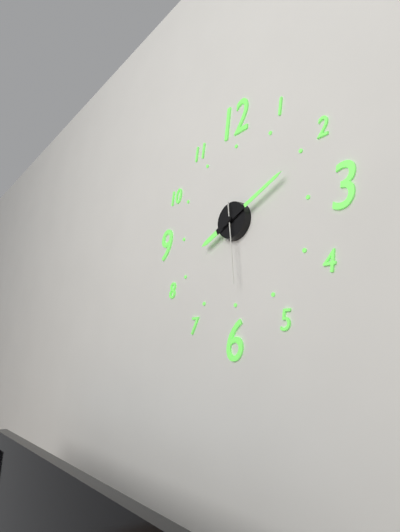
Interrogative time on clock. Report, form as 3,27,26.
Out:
8,11,29
